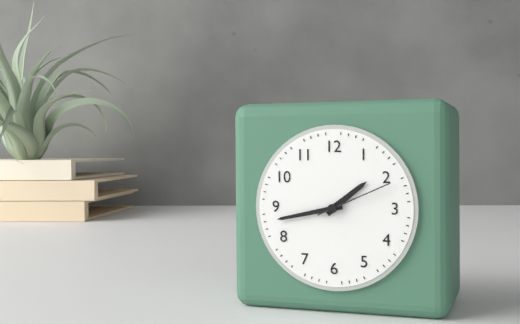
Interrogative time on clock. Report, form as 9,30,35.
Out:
1,43,11
